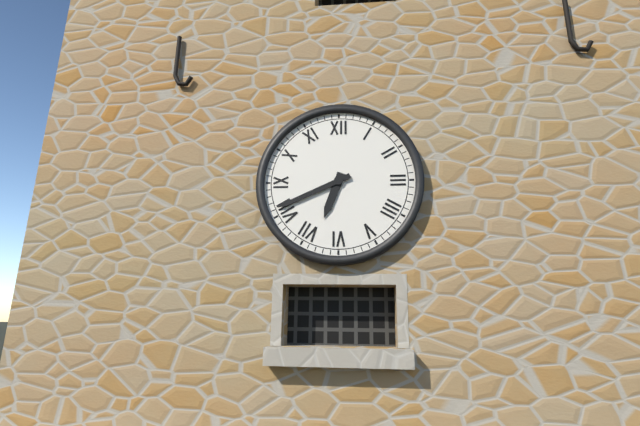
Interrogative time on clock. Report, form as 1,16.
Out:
6,41
